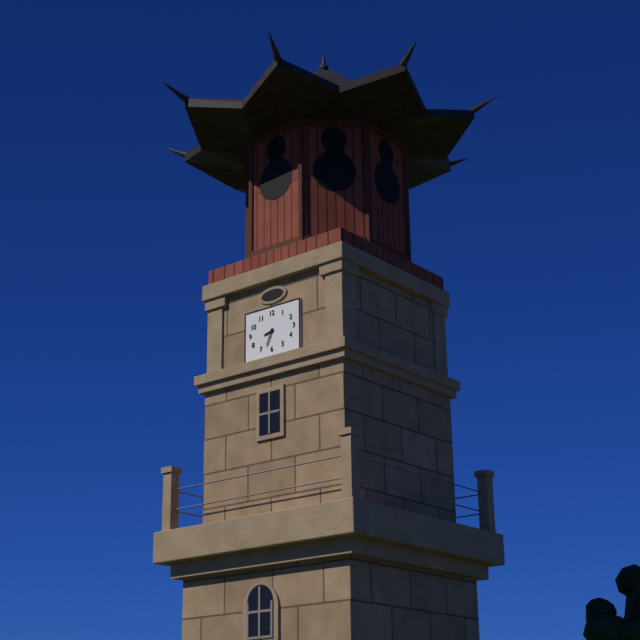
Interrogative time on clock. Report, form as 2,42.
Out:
8,34
